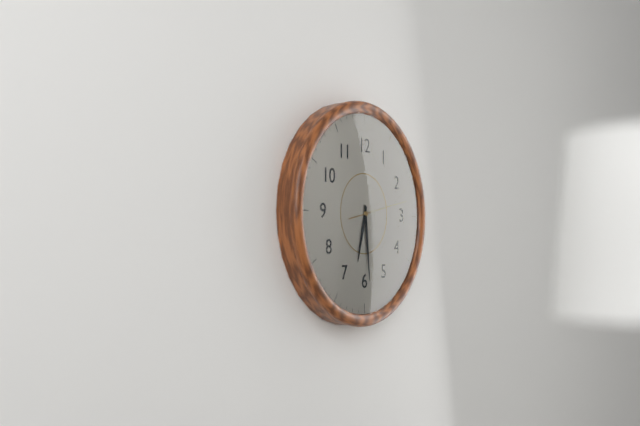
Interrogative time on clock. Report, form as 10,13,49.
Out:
6,29,13
